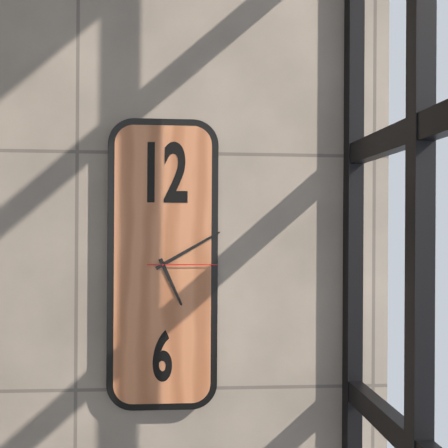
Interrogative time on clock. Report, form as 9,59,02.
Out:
5,10,15
